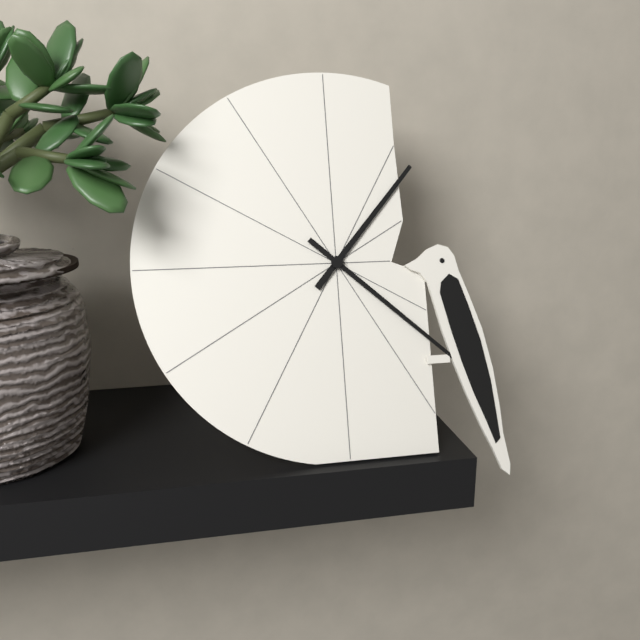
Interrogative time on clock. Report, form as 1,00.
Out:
1,22
